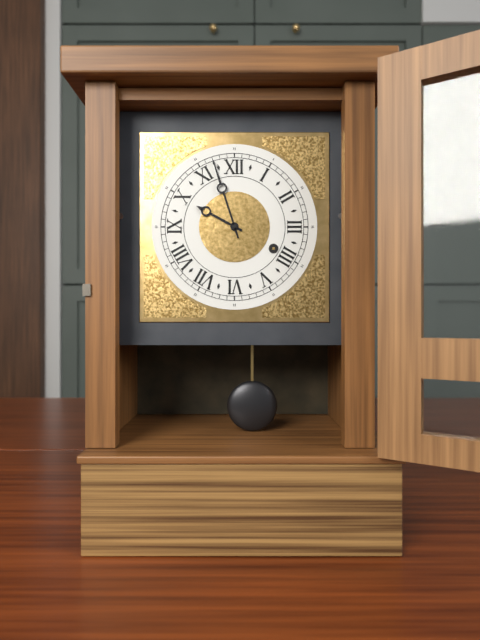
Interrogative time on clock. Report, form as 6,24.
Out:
9,57
